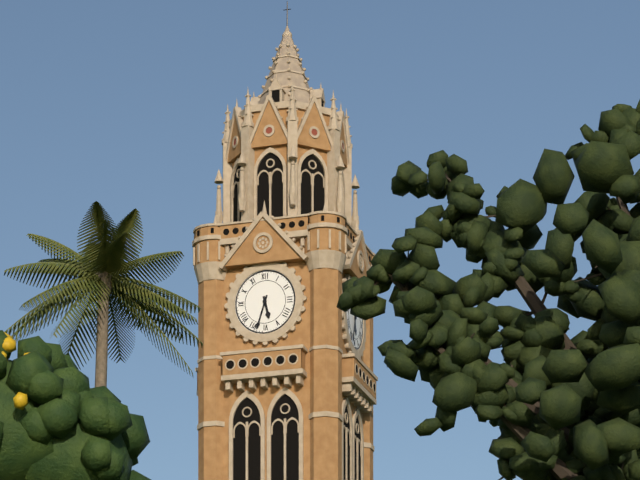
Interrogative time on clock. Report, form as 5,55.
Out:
5,33
